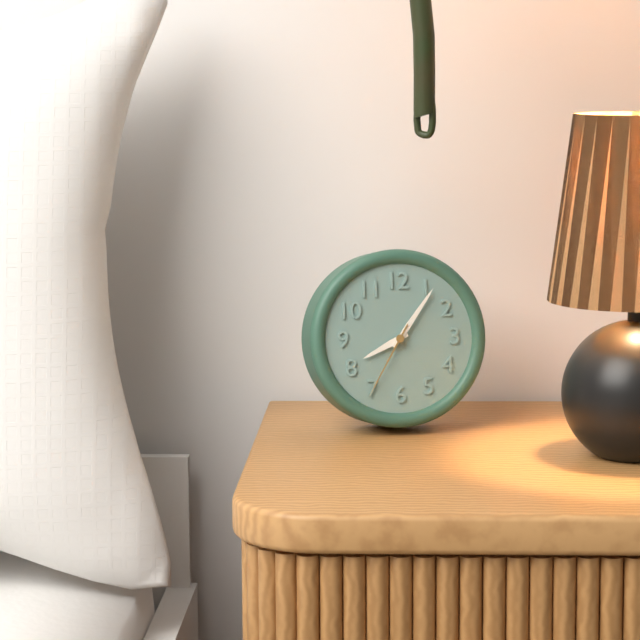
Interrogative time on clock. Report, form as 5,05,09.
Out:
8,06,35
